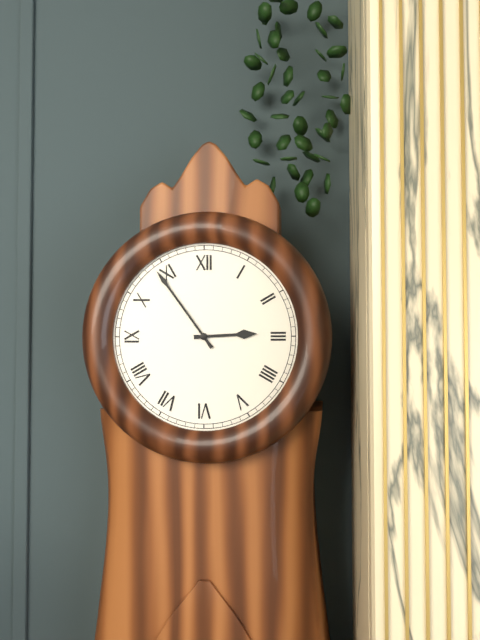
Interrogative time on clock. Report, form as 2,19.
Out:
2,54
